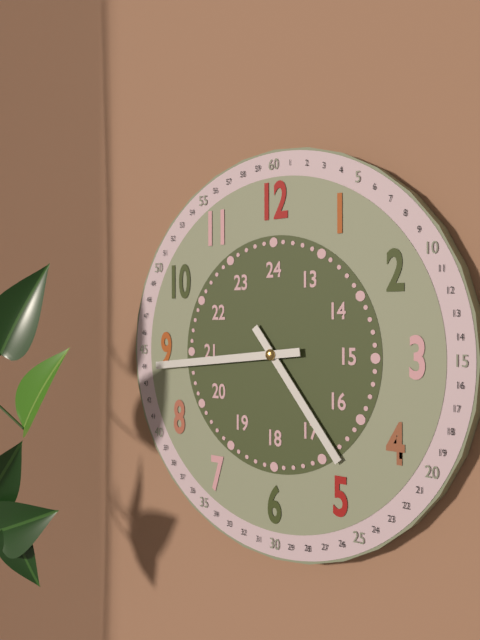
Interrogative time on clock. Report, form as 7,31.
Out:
4,44
